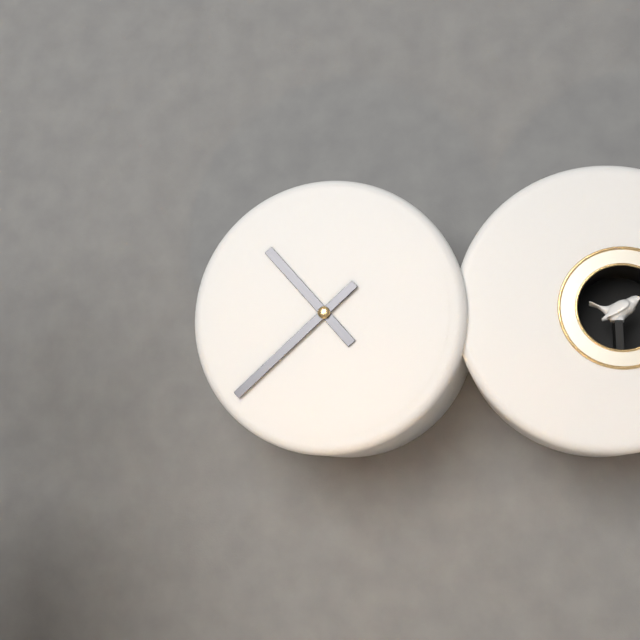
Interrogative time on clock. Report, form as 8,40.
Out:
10,38
